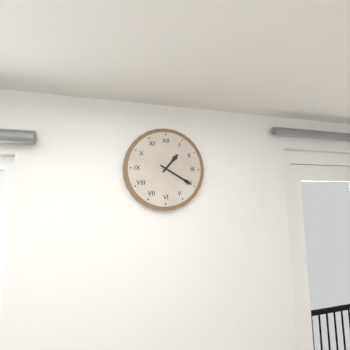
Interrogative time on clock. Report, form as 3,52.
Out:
1,20
